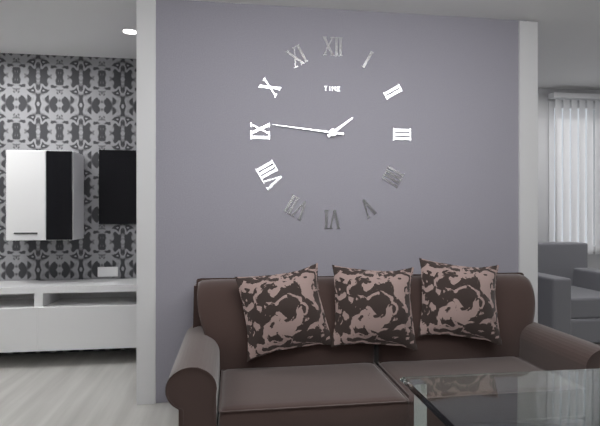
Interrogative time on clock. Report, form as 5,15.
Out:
1,46
